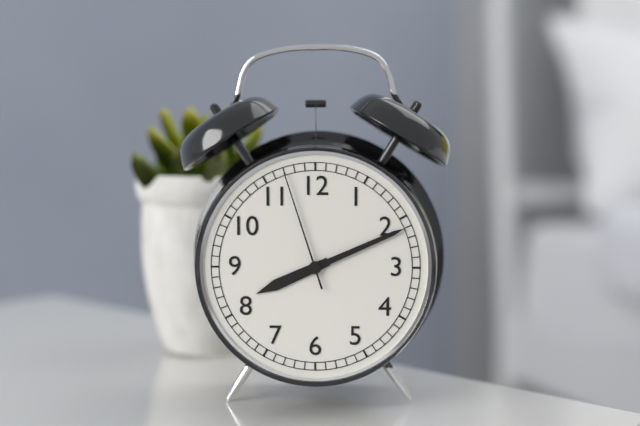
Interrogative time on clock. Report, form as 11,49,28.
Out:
8,11,57
